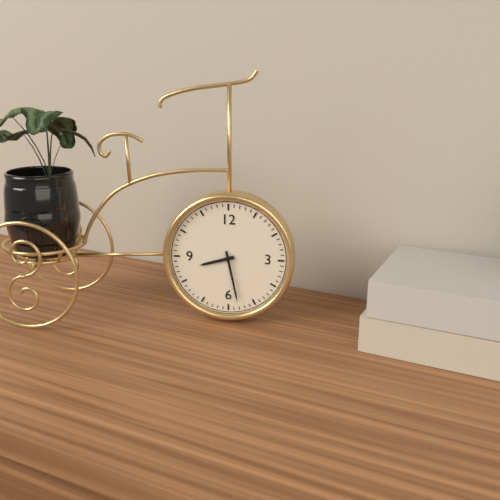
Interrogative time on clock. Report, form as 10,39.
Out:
8,28
